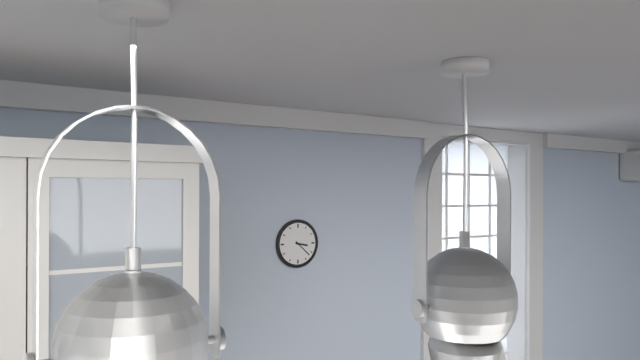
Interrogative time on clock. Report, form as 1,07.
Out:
3,22
